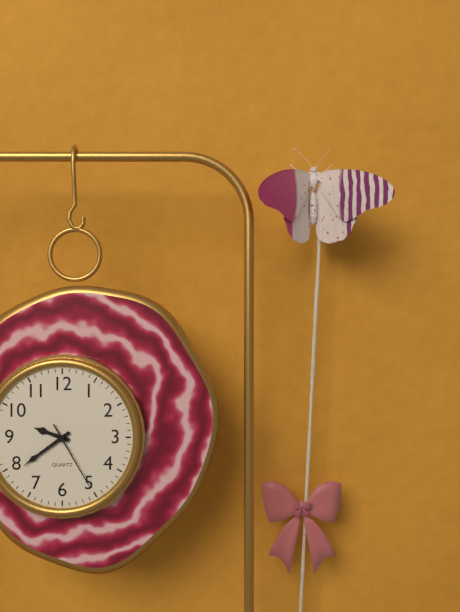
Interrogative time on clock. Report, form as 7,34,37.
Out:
9,39,25
